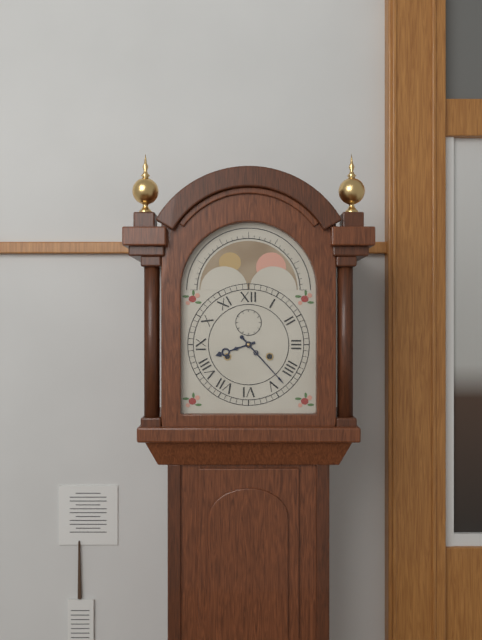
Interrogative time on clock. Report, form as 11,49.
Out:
8,23
